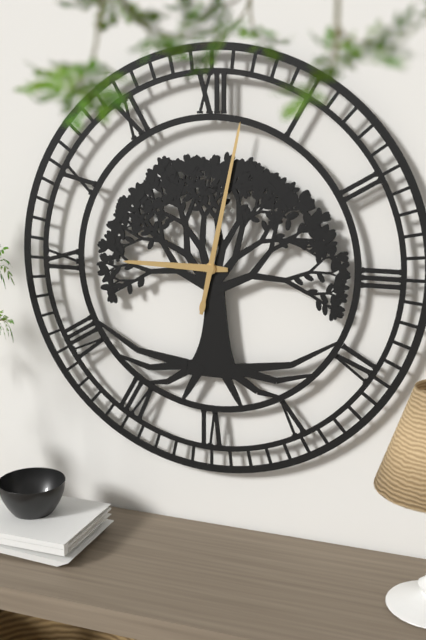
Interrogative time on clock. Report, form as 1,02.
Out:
9,02
